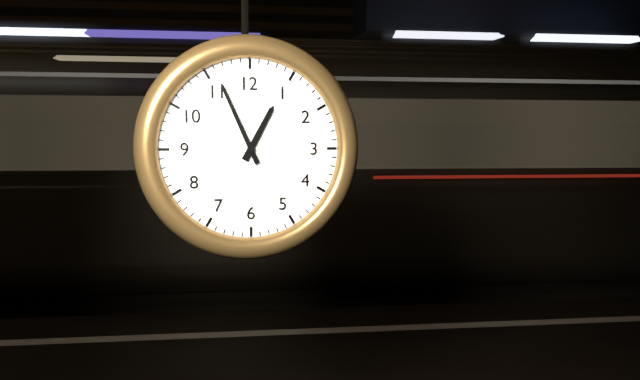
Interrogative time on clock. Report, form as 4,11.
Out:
12,56
